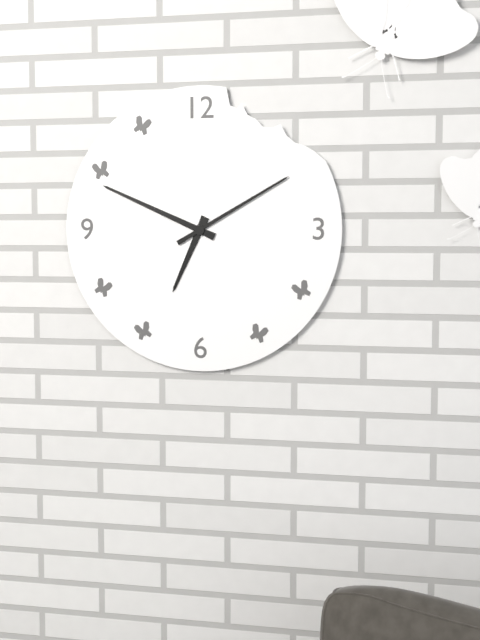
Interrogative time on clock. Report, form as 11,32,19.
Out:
6,49,10
